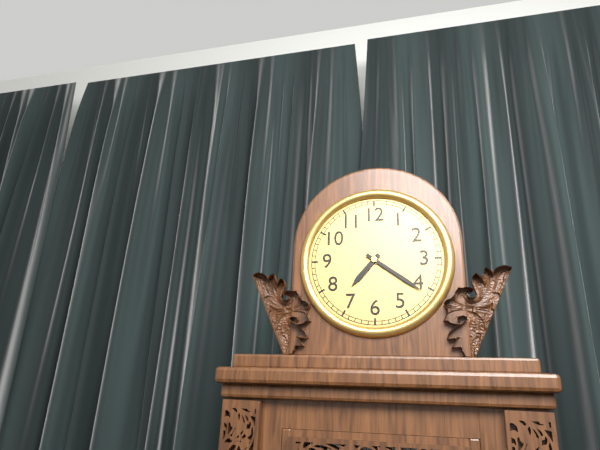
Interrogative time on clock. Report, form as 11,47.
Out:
7,21
